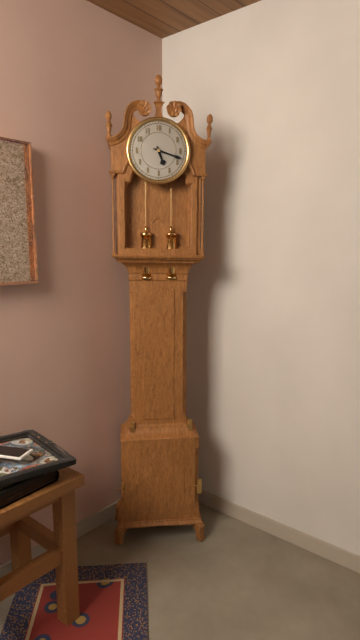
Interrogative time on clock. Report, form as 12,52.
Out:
5,18
